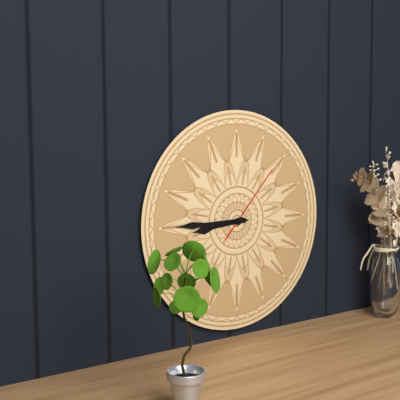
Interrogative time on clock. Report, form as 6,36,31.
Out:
8,45,07
